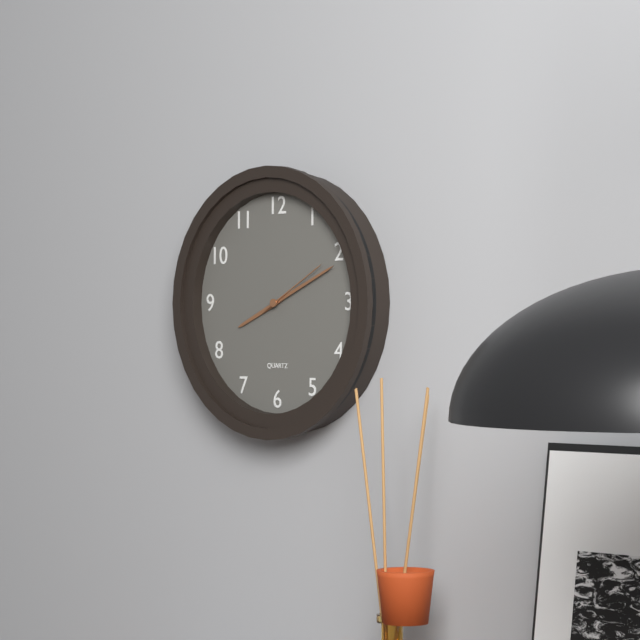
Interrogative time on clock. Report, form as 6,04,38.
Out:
8,11,10
